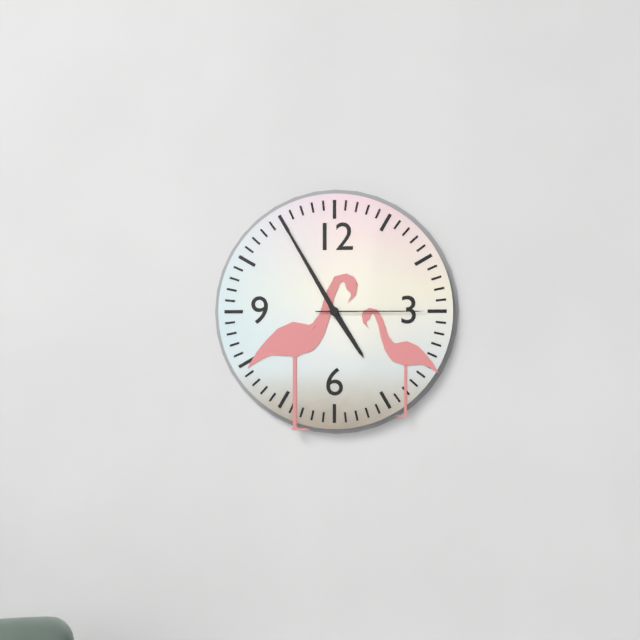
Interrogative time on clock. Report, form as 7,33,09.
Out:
4,55,15
